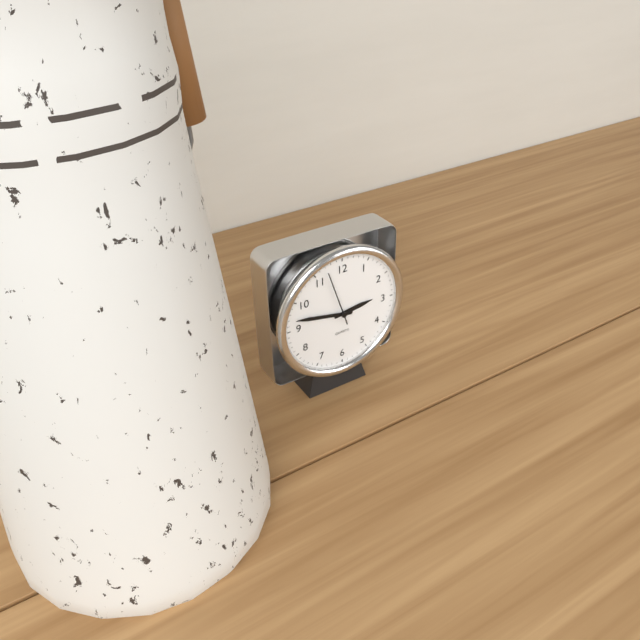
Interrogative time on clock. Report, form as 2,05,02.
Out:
2,47,57
